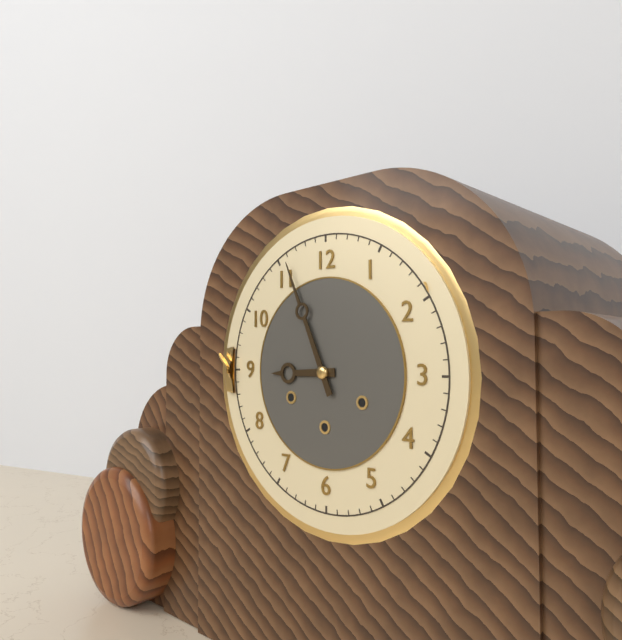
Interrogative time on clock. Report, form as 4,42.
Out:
8,56
